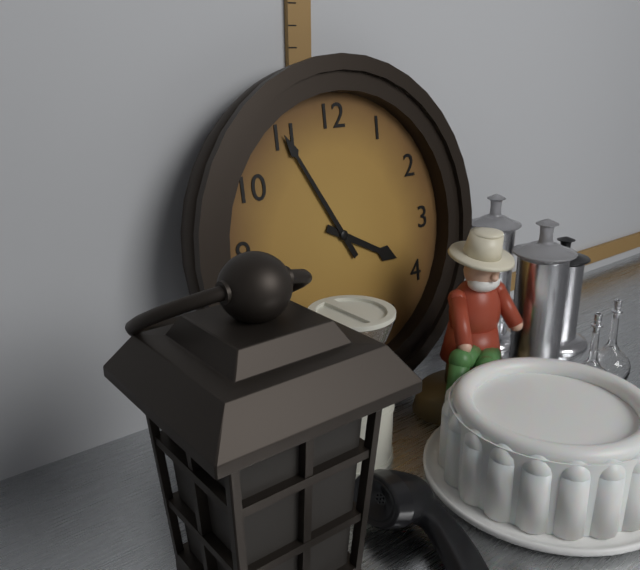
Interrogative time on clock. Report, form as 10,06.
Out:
3,55
